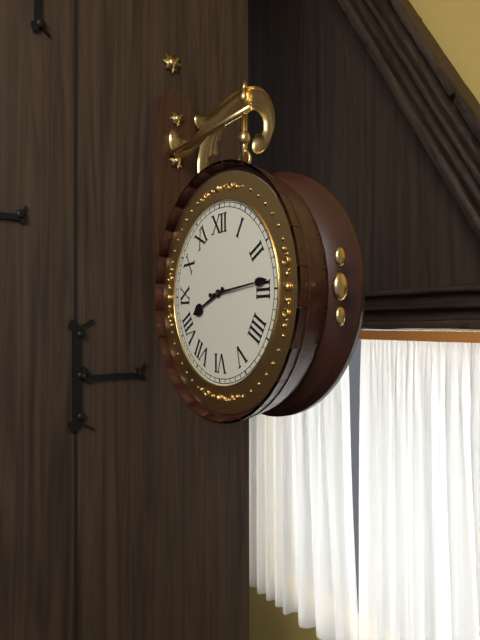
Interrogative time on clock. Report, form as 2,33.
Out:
8,14
